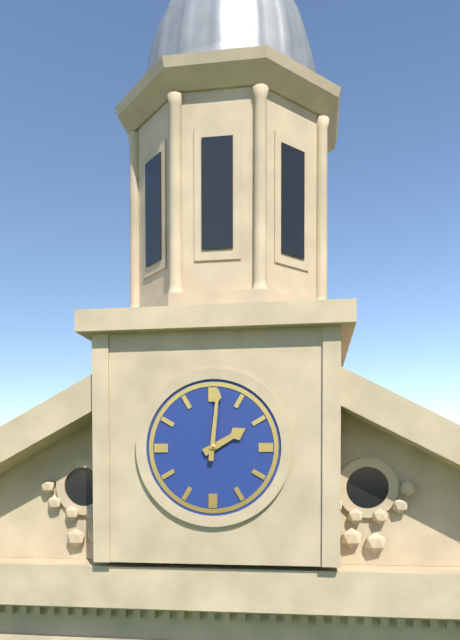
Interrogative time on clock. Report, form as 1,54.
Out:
2,01
